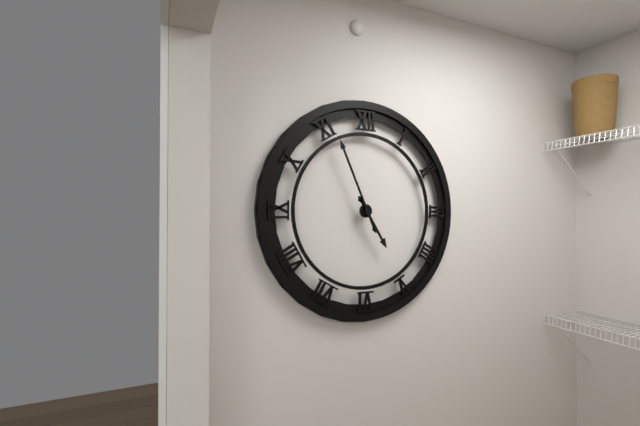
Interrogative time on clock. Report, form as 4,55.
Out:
4,56
